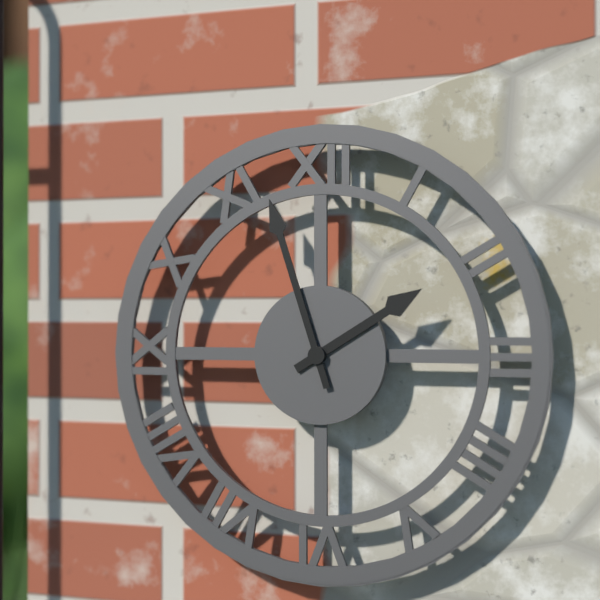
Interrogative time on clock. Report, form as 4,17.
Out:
1,57
